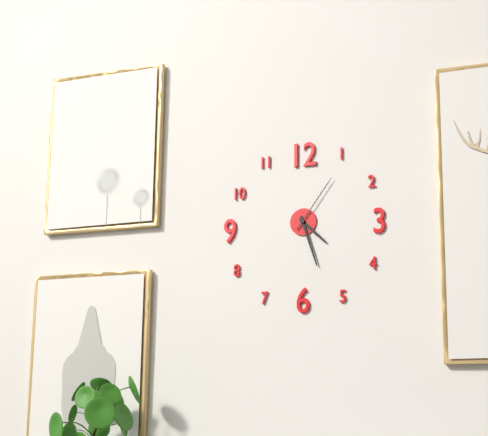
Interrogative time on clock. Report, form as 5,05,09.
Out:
4,27,06
